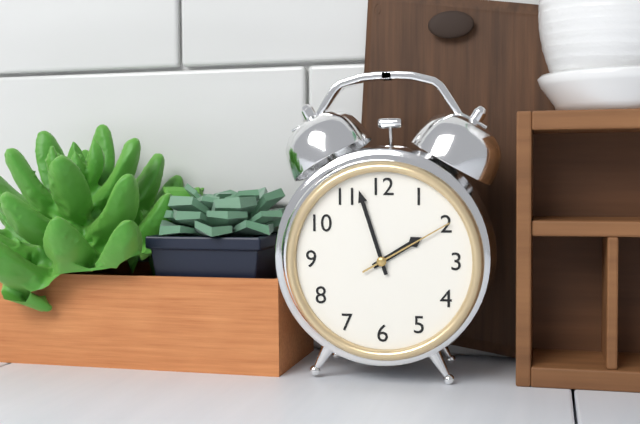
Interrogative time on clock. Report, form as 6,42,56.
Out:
1,57,10
